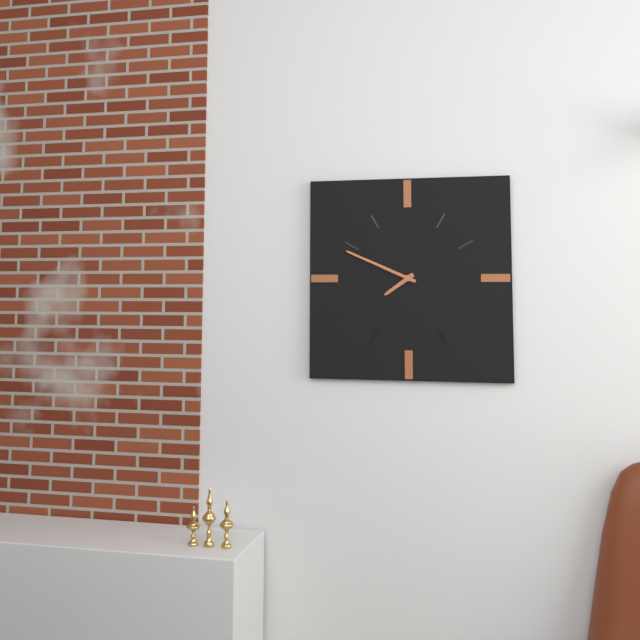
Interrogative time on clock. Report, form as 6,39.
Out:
7,49
